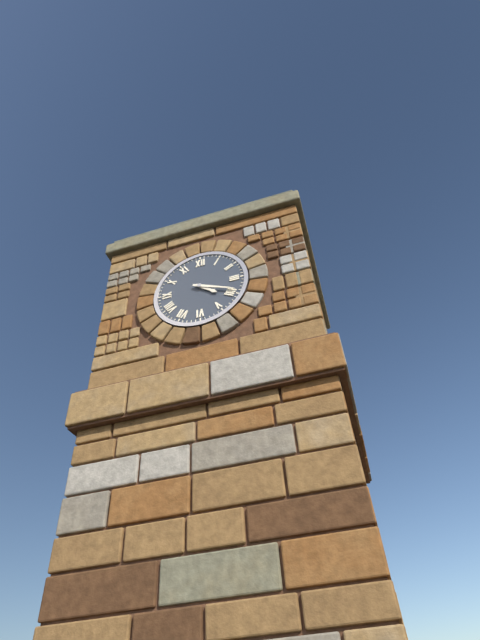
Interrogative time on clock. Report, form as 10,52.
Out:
4,19
